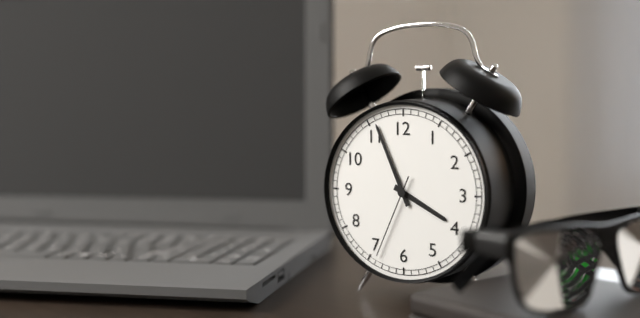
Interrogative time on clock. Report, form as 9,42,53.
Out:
3,56,34
